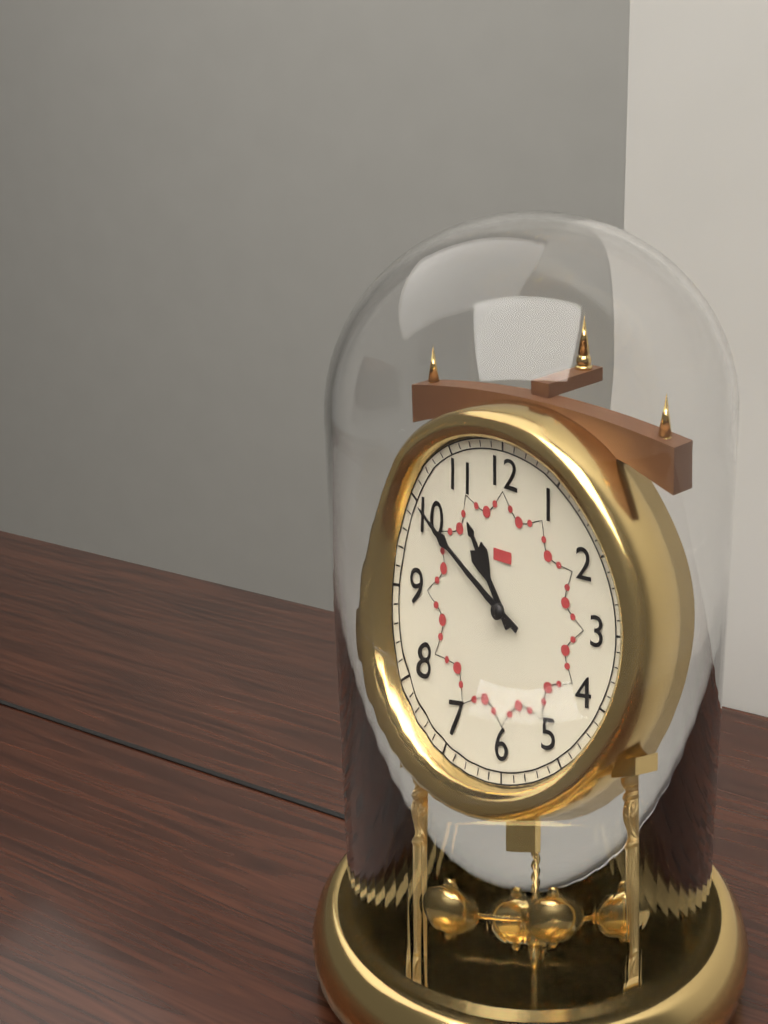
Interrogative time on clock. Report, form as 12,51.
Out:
10,50
